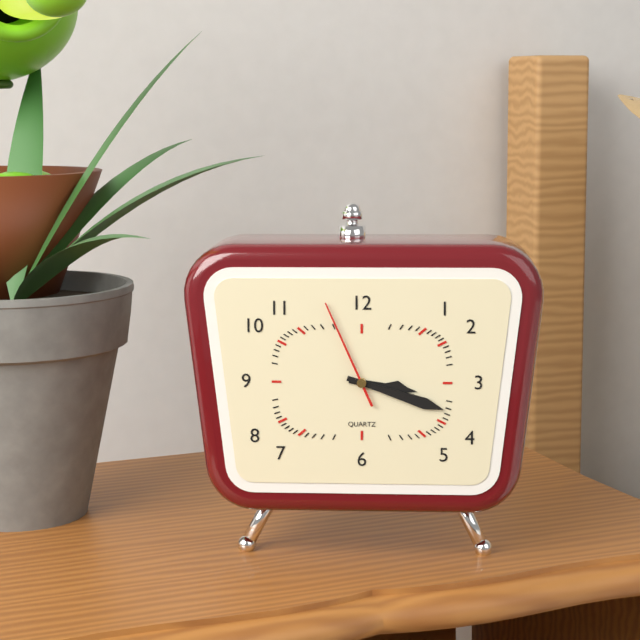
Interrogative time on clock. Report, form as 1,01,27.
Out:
3,18,56
